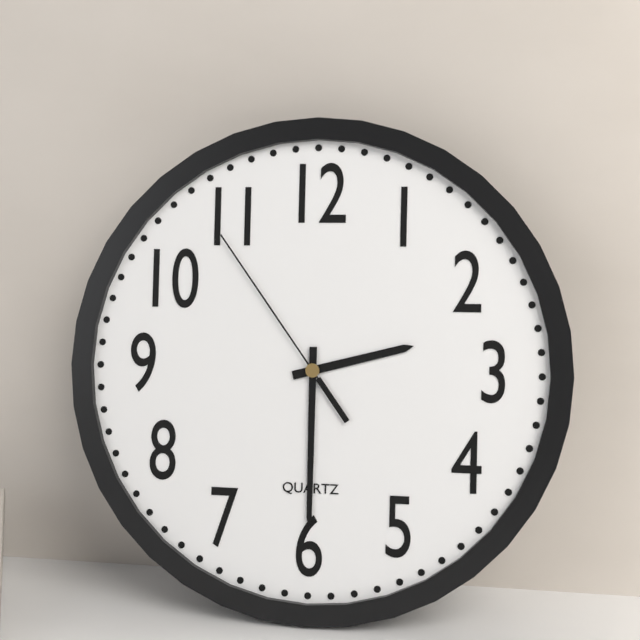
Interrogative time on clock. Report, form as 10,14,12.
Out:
2,30,54
